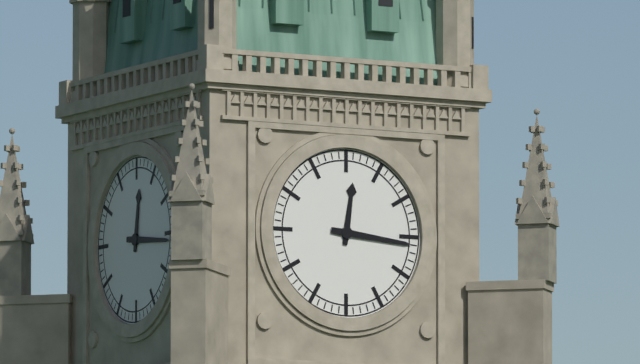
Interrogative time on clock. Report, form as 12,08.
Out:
12,16
